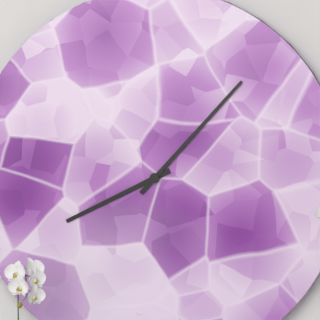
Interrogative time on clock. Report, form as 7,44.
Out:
8,07
